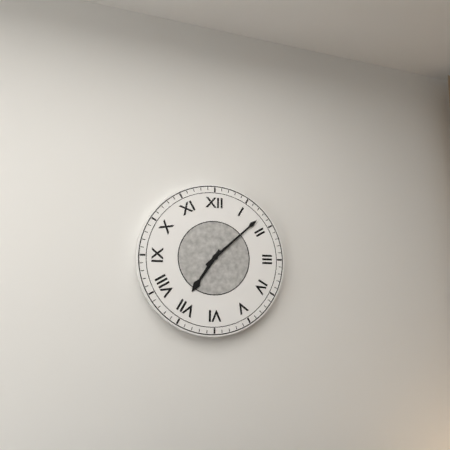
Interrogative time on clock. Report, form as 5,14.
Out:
7,08
